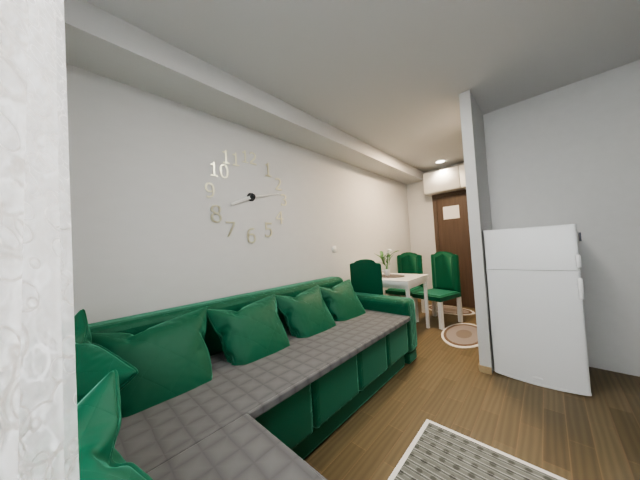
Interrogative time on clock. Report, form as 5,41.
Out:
8,13
